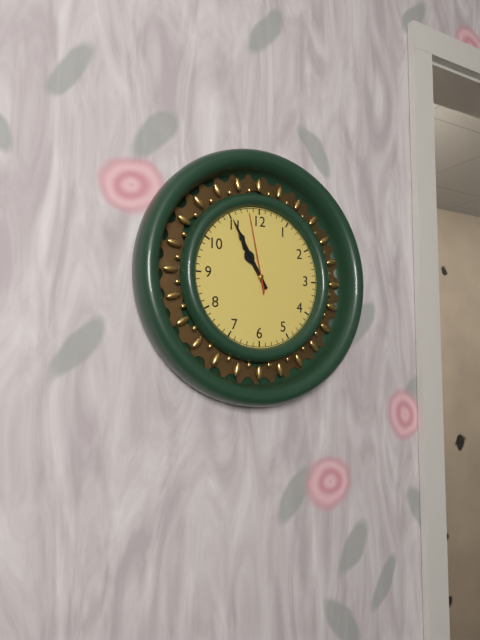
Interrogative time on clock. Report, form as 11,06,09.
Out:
10,55,58
